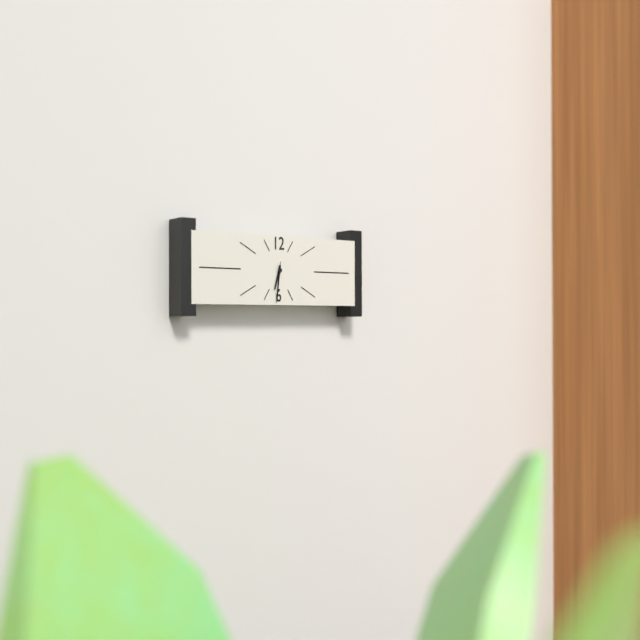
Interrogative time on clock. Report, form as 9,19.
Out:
6,31
